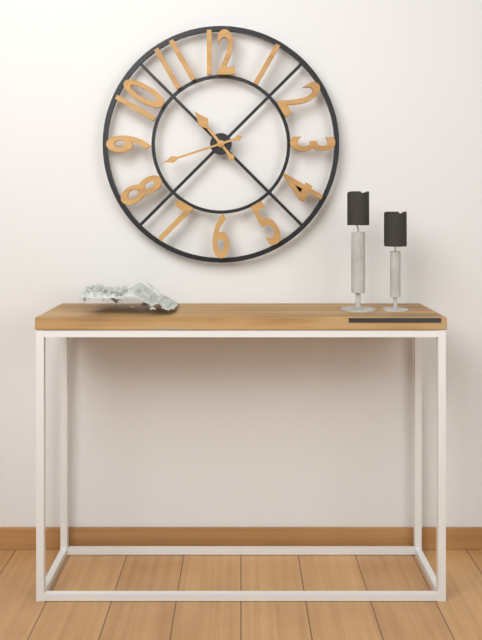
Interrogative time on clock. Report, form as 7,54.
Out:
10,42
